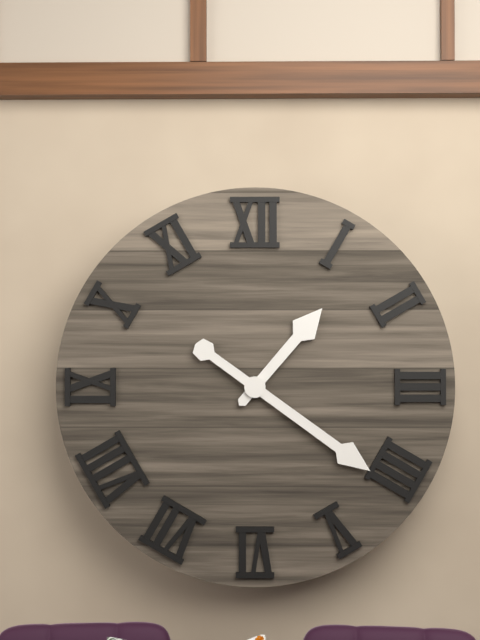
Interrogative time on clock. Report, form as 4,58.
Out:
1,21
